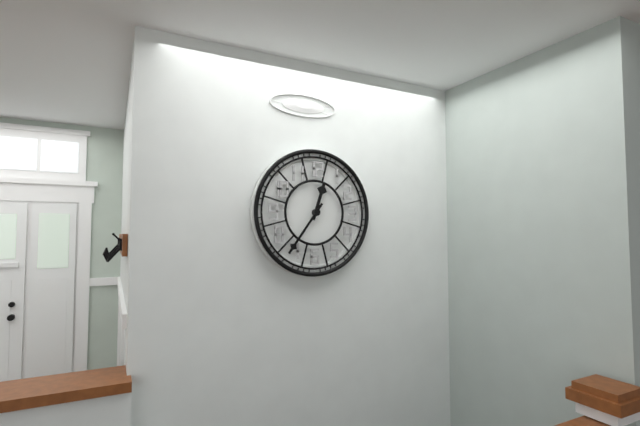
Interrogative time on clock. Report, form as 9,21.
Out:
12,36
